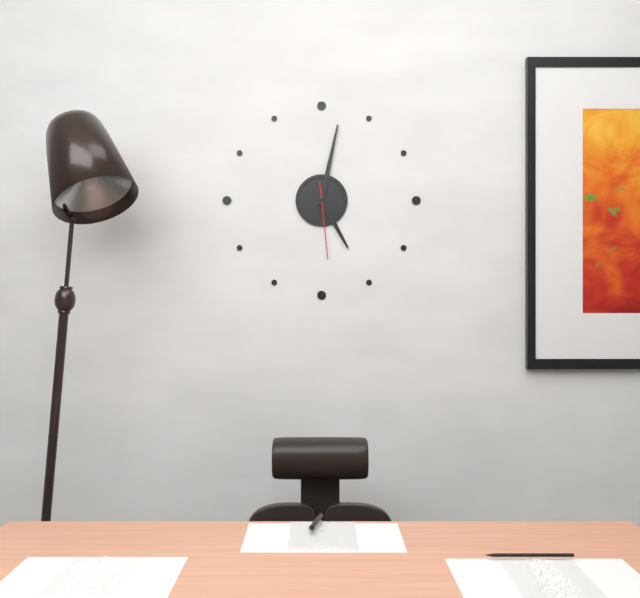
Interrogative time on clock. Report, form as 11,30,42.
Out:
5,02,29
